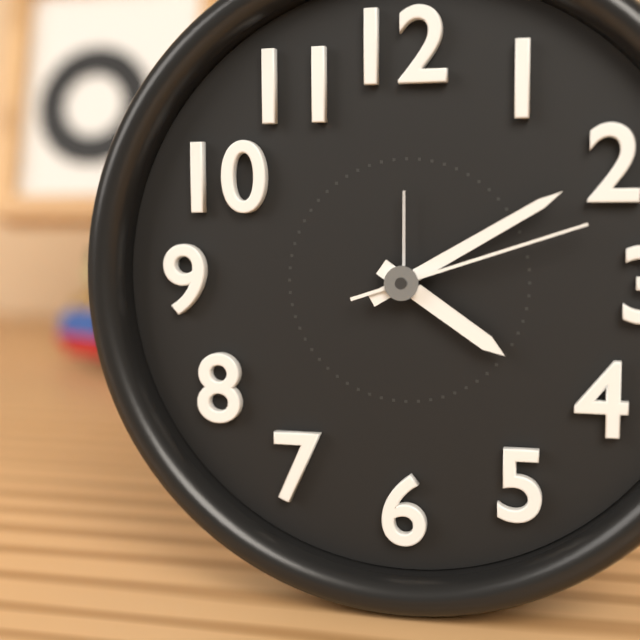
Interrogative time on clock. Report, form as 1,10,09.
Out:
4,10,12
